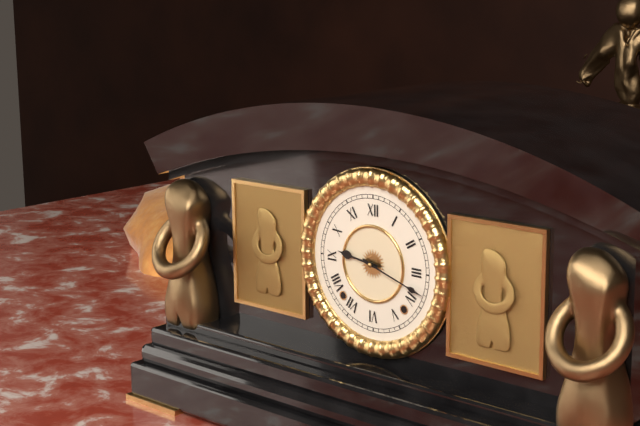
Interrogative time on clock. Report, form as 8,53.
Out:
9,18
